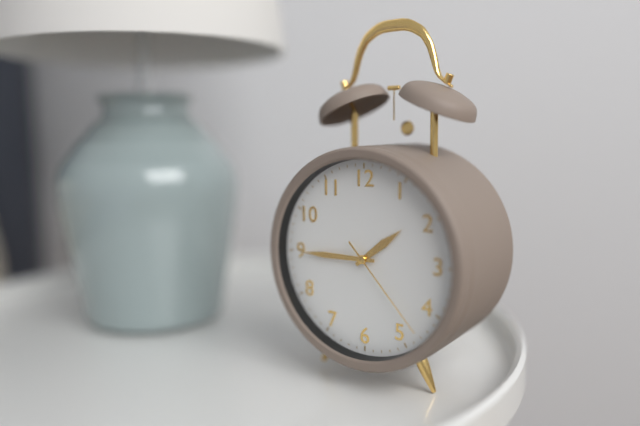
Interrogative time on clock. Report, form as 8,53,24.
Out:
1,45,23
